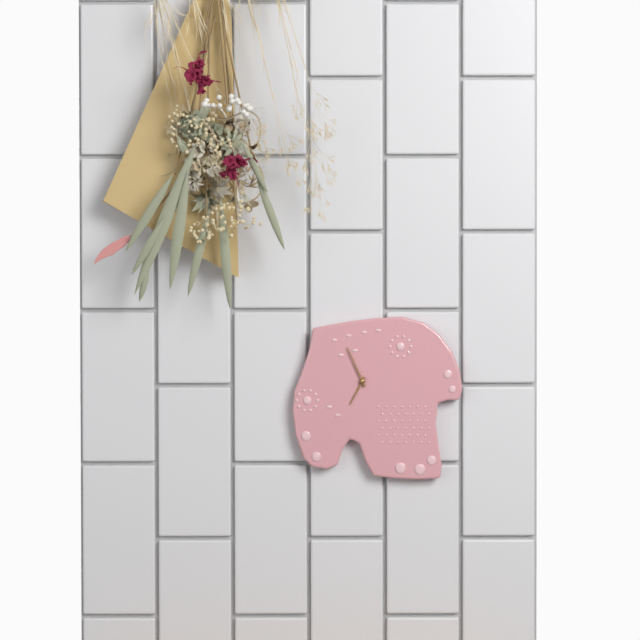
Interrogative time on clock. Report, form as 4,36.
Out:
6,56
